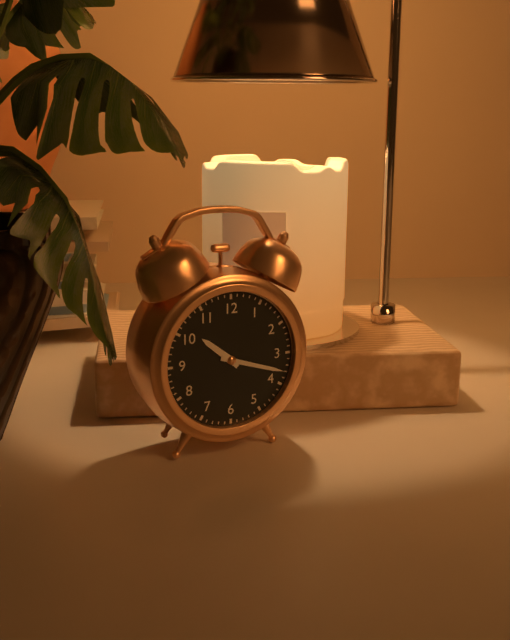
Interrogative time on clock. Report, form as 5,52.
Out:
10,18
